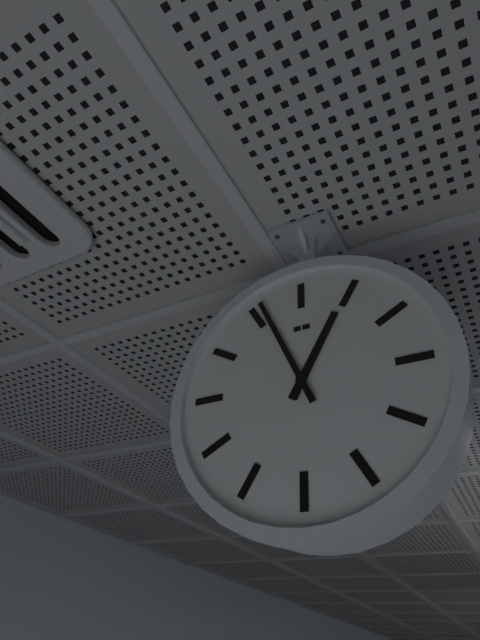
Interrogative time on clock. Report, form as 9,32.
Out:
12,56
